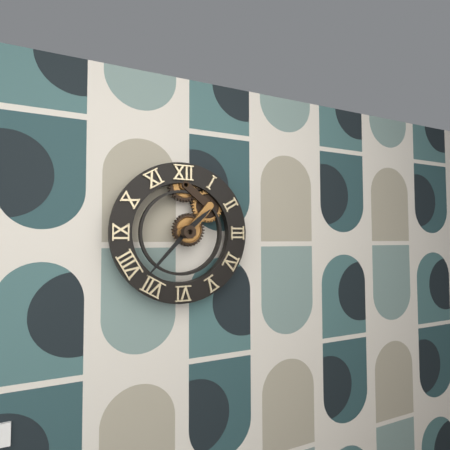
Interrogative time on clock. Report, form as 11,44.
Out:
1,37
